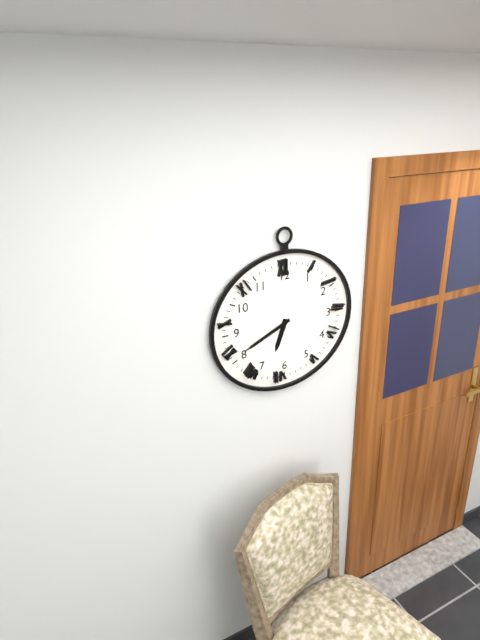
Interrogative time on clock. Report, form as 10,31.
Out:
6,41
